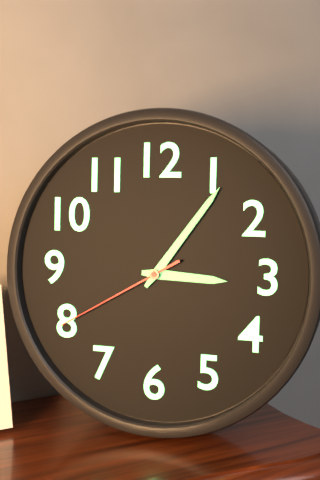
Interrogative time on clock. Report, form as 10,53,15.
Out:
3,06,40
